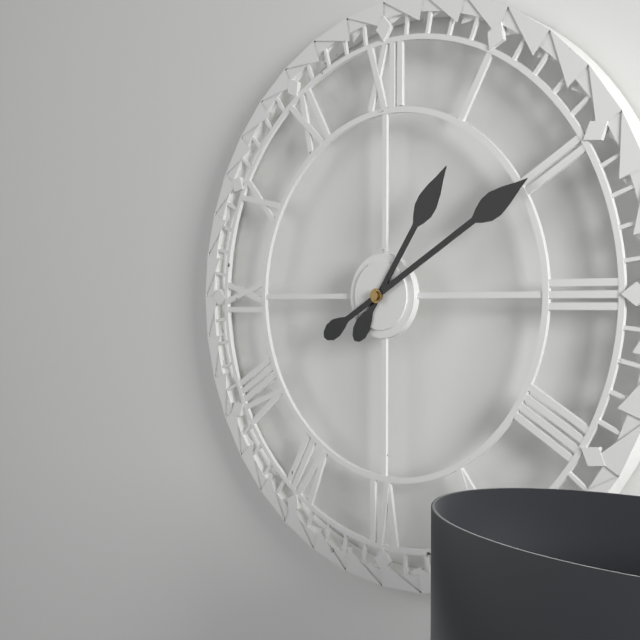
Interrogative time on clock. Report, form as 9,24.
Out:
1,10
